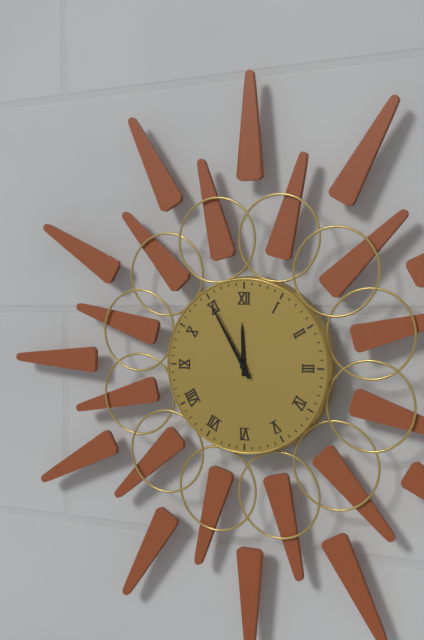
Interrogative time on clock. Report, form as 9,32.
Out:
11,55
